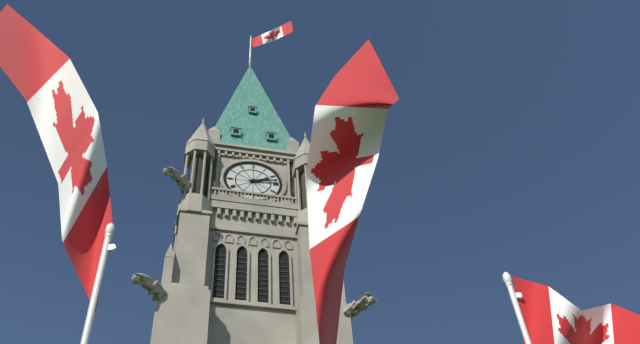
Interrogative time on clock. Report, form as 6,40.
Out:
2,13
